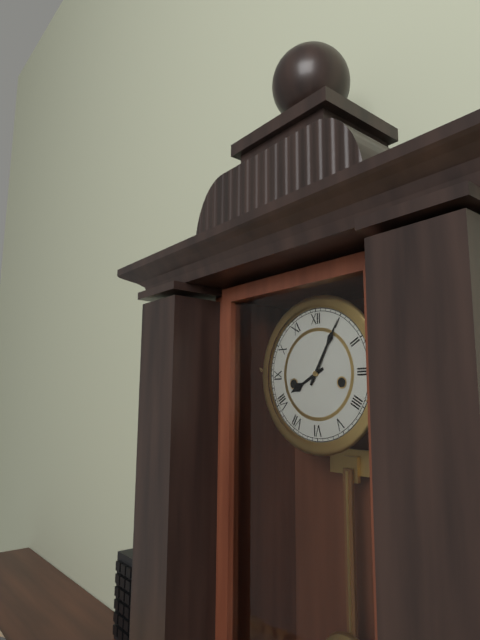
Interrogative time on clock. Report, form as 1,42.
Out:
8,05
